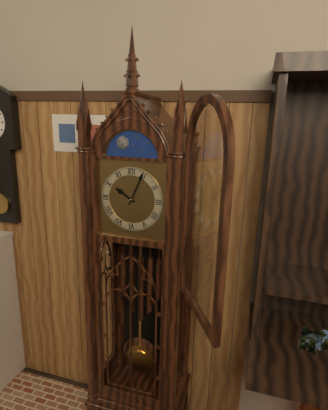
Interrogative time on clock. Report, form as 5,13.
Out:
10,04
